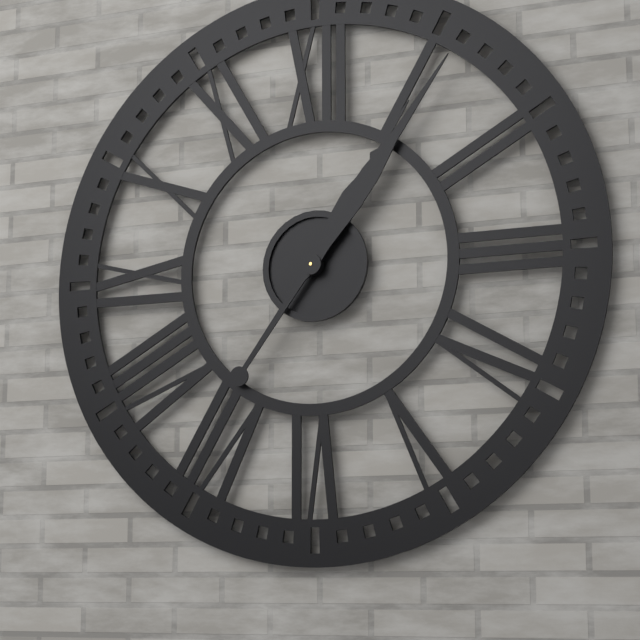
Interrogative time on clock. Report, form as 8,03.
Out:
1,06
